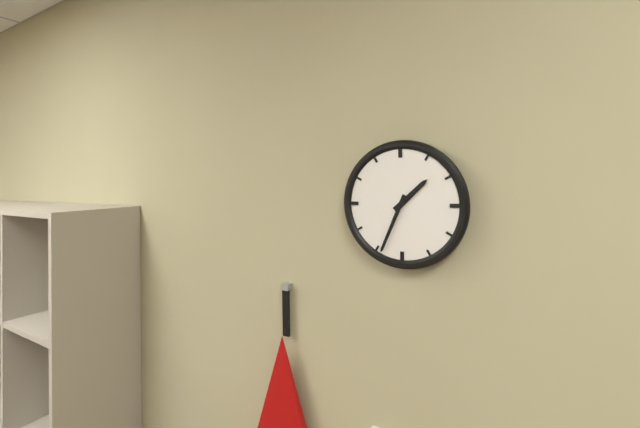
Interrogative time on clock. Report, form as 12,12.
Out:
1,34
